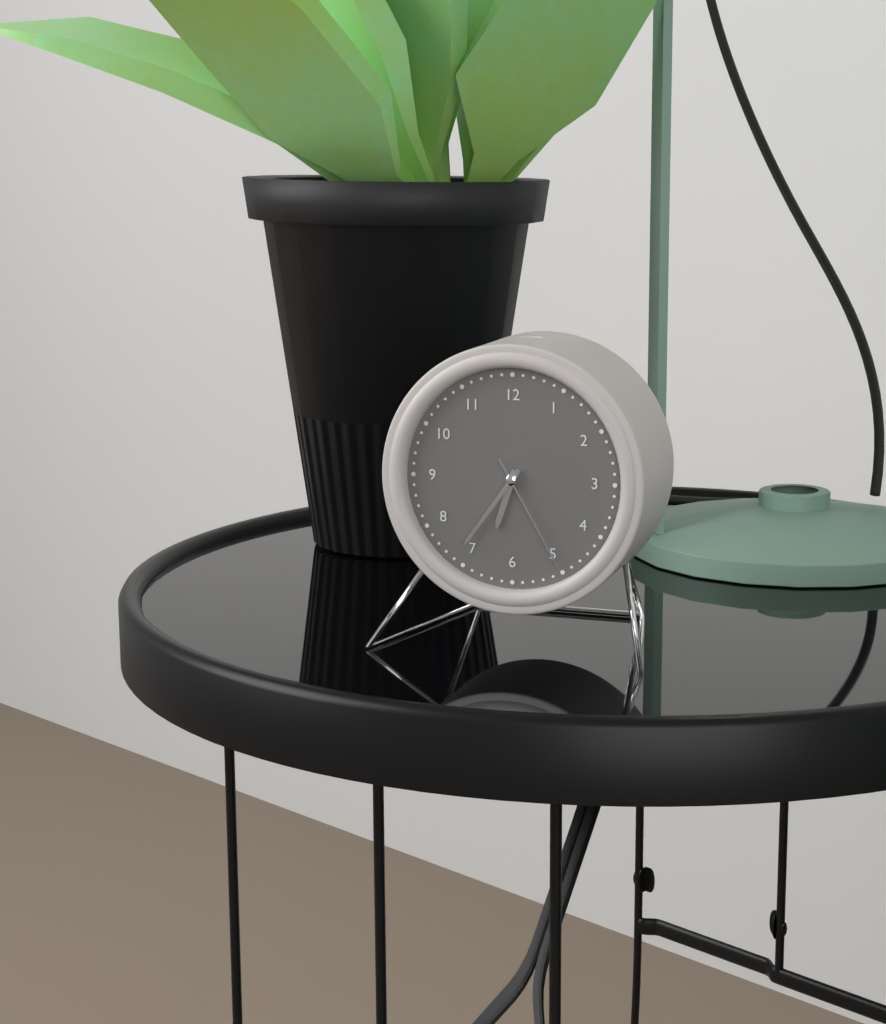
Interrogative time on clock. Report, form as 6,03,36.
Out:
6,36,25
